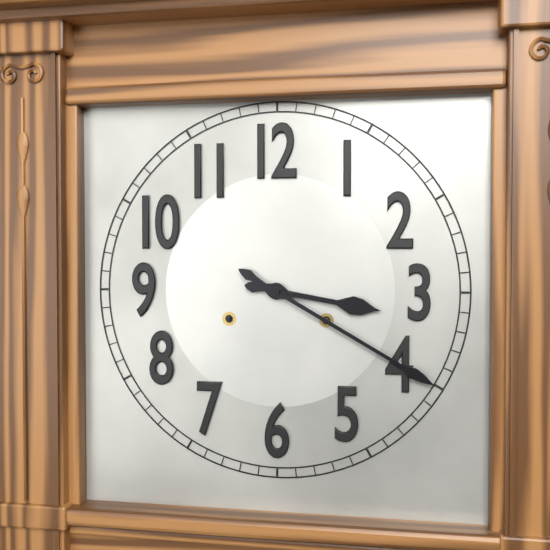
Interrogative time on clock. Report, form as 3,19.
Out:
3,20
